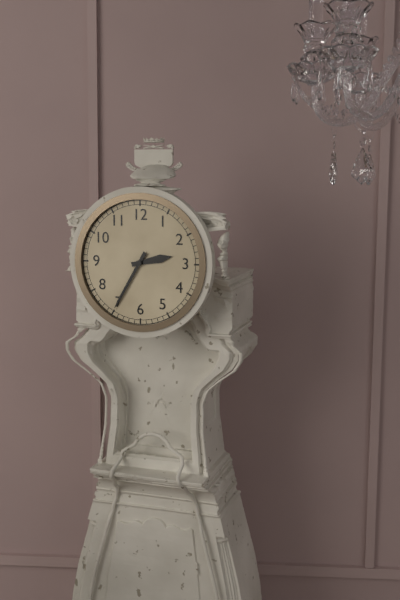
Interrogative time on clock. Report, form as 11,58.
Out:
2,35
